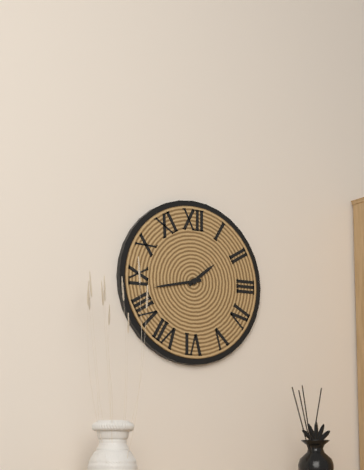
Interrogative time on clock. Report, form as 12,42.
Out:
1,43
